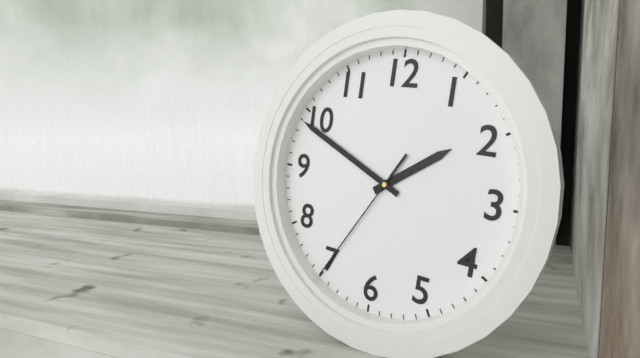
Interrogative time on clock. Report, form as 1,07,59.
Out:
1,49,35
